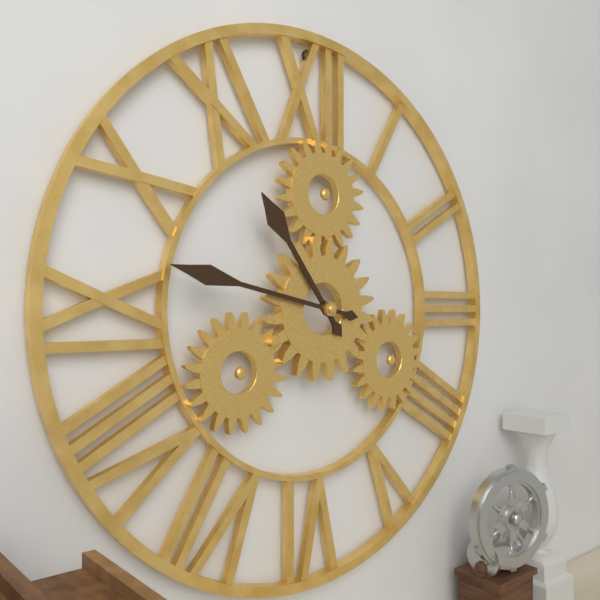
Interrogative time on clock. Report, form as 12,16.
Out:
10,47
